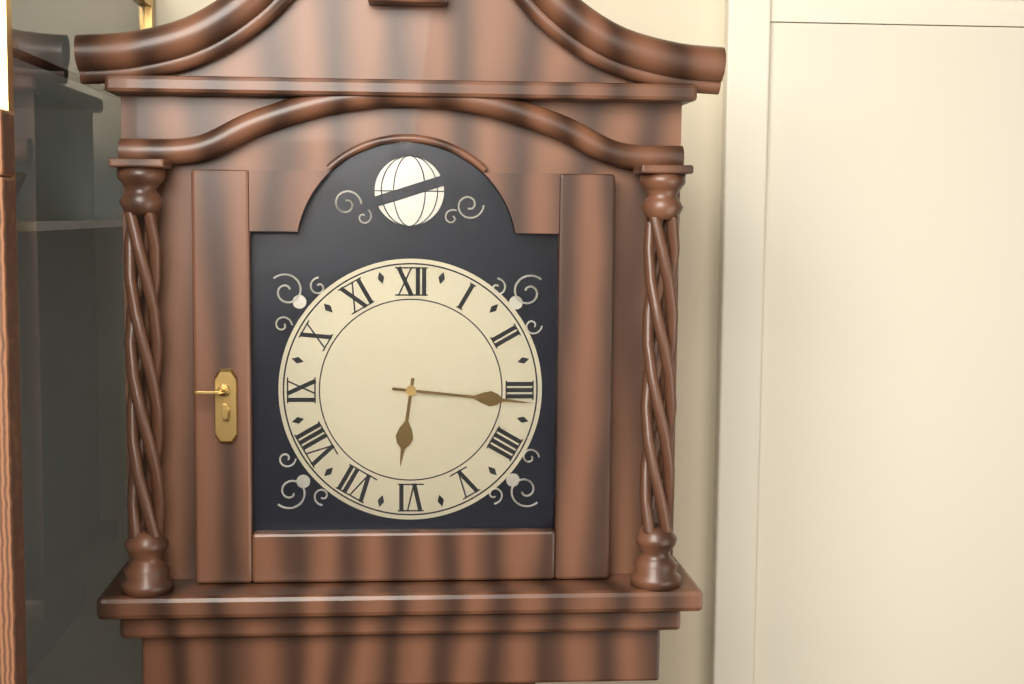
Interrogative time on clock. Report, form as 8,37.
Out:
6,16
